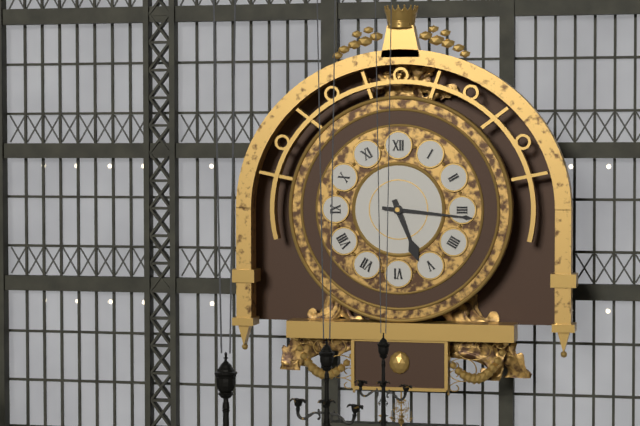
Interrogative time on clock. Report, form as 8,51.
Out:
5,16
